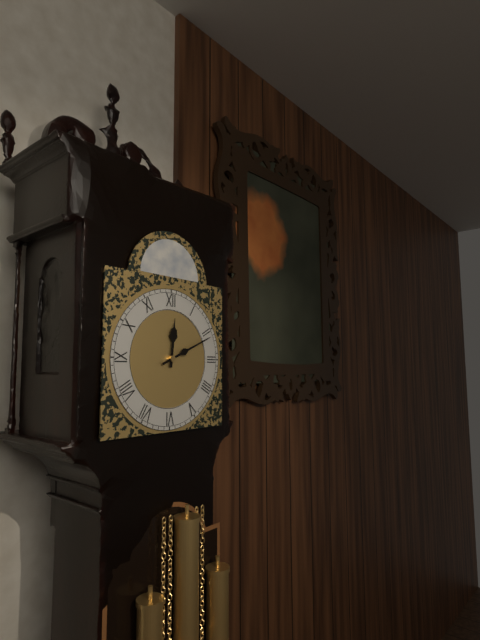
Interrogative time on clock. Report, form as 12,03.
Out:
12,11
